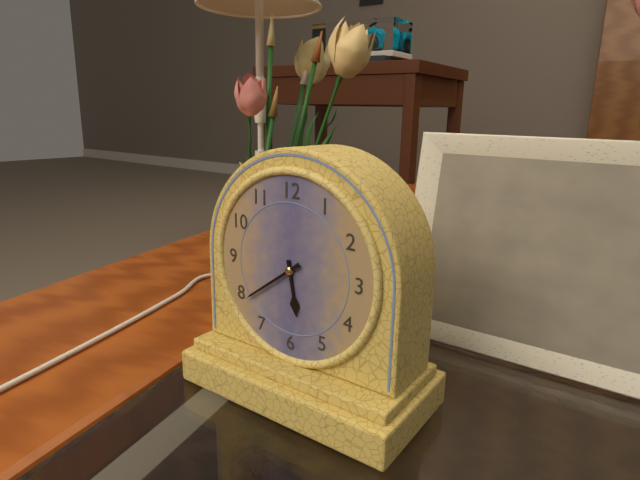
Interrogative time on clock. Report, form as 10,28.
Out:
5,39
